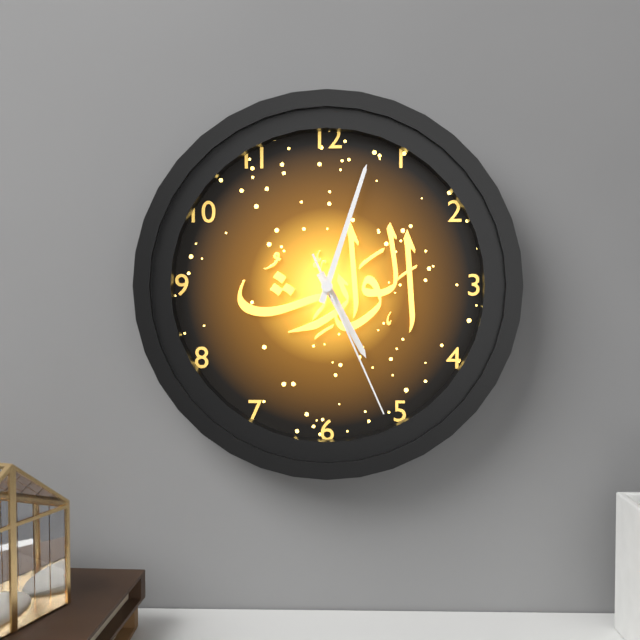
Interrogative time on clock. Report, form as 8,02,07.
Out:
5,03,26
